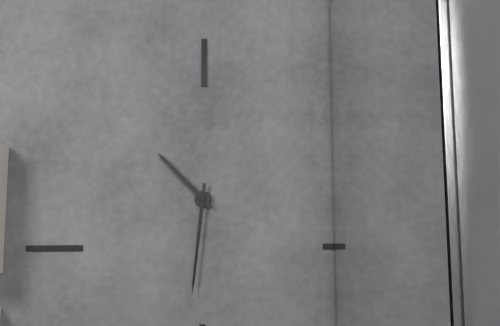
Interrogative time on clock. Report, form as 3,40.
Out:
10,31
